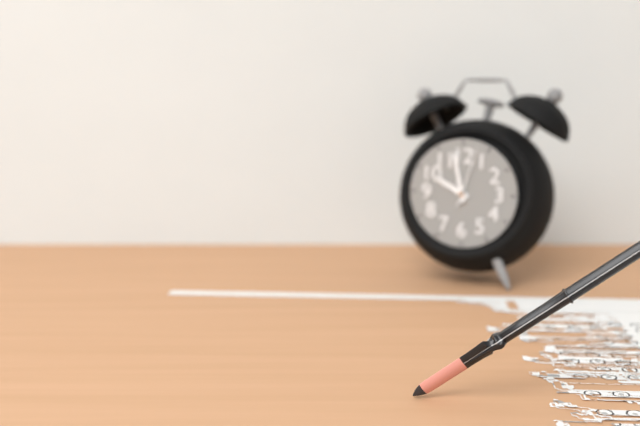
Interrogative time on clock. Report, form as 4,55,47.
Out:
9,58,03
